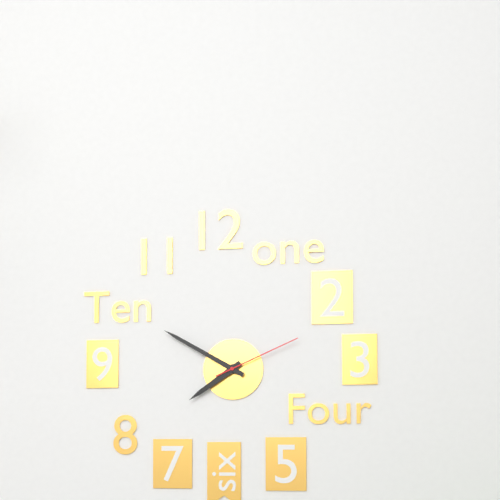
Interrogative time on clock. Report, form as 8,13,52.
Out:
7,50,11
